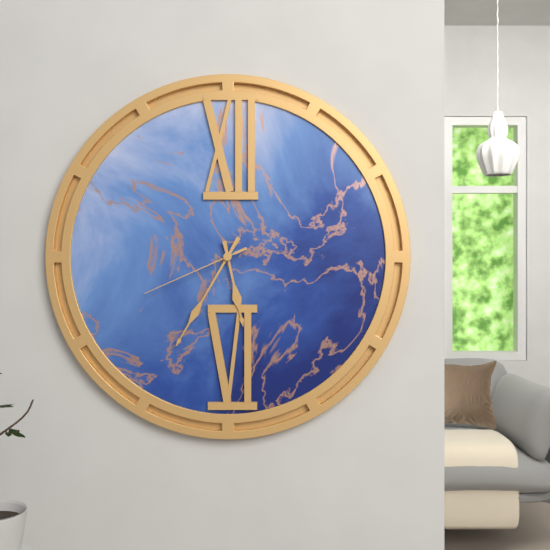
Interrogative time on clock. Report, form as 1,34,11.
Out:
5,35,41
